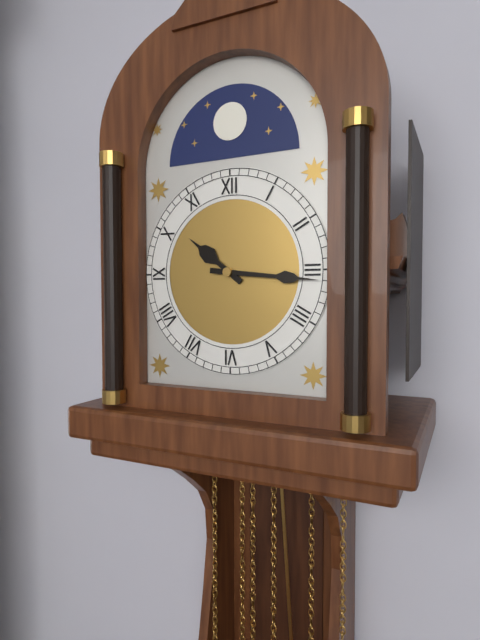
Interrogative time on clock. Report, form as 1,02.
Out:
10,16
